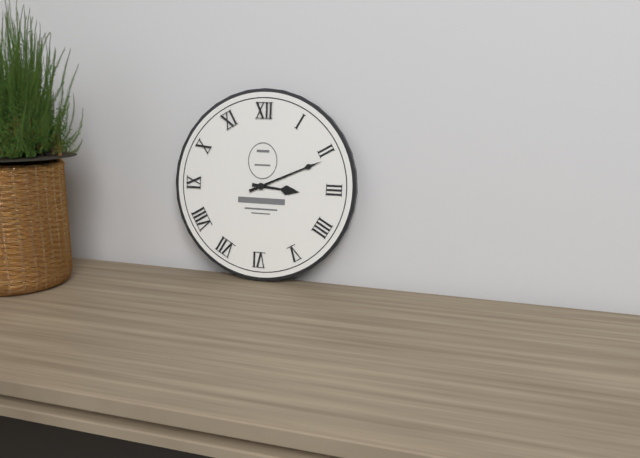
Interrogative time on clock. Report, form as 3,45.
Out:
3,11
